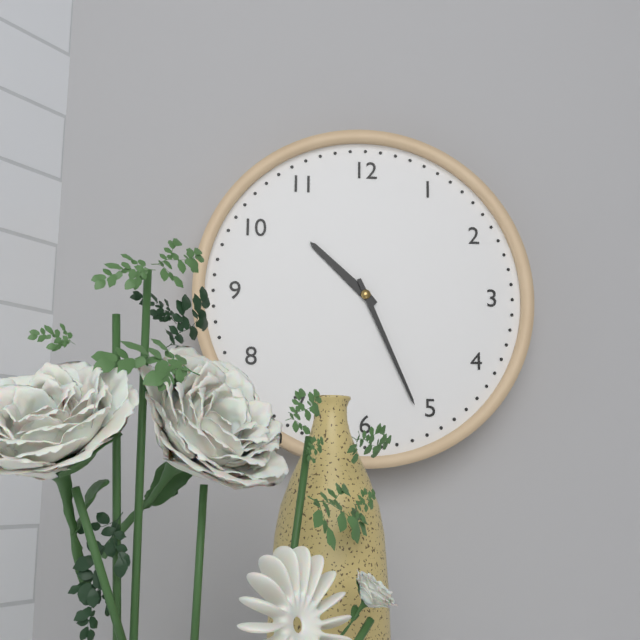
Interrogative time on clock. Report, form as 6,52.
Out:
10,26
